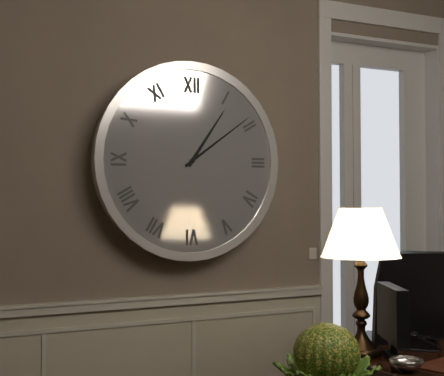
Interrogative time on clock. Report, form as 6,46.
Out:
1,09
